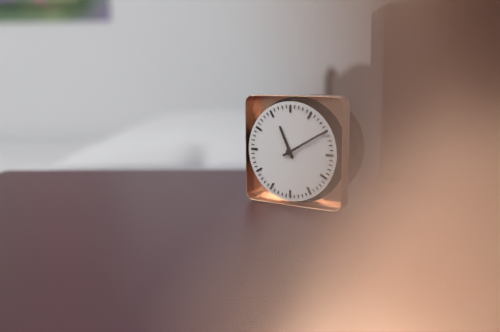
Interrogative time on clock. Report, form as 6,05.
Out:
11,10
